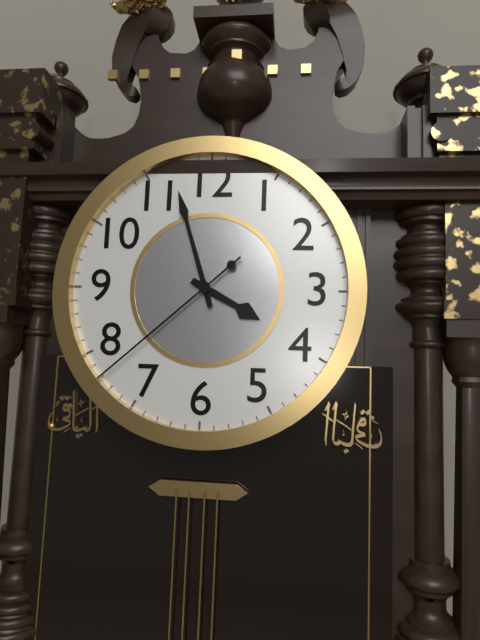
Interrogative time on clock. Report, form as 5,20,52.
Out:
3,57,38
